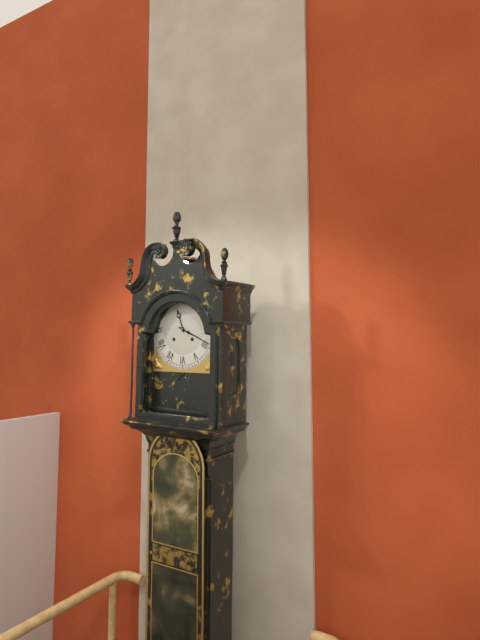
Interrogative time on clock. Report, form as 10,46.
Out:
11,19
